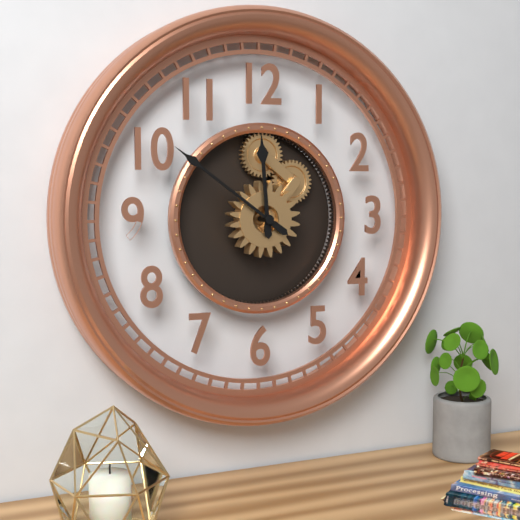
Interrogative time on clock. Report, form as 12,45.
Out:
11,51
